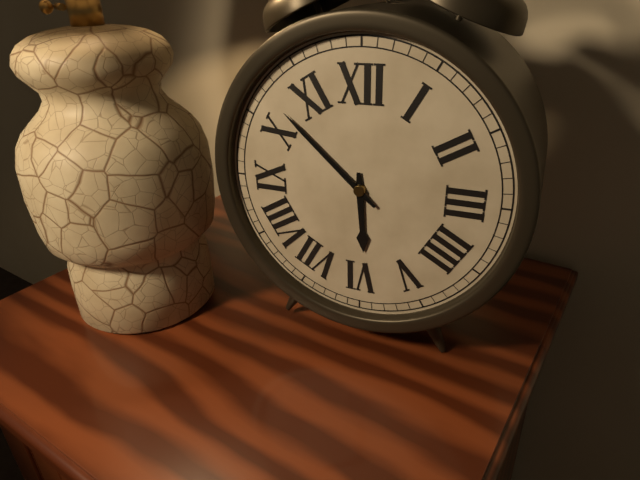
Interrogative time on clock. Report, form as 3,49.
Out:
5,52
